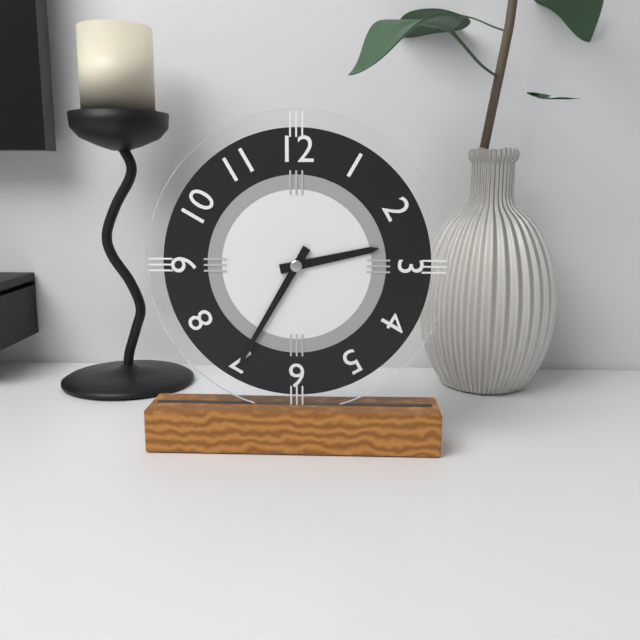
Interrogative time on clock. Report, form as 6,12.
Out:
2,35
